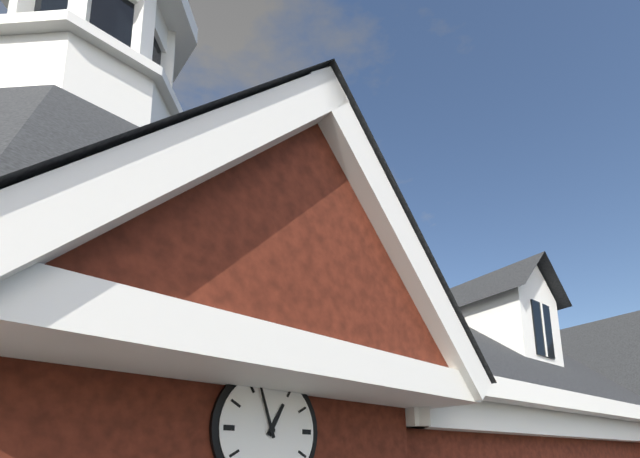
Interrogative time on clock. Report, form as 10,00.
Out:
12,57
